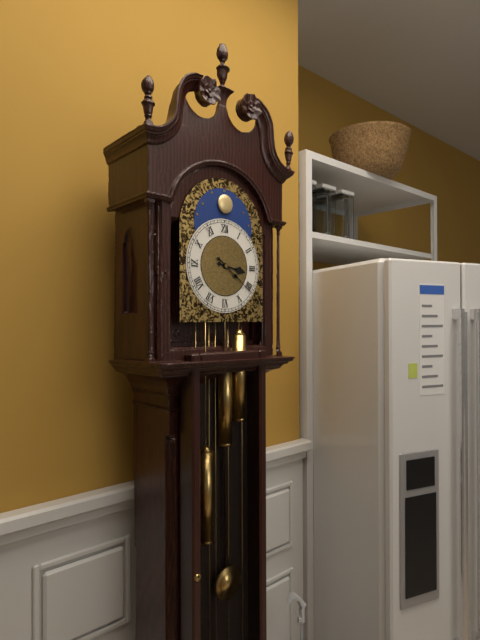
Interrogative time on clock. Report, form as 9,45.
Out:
3,21
